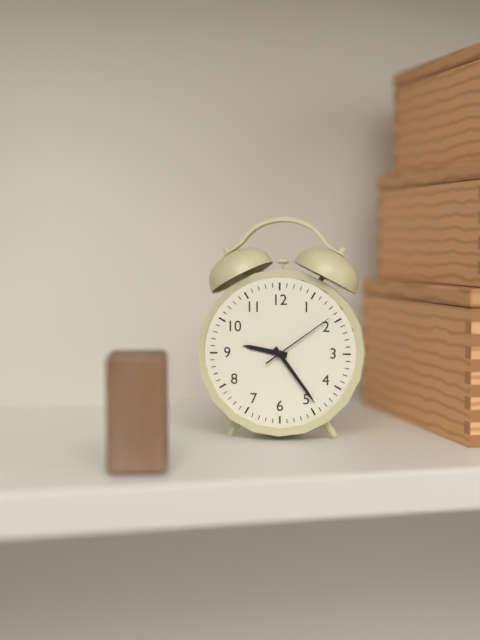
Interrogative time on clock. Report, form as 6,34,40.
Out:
9,24,09
